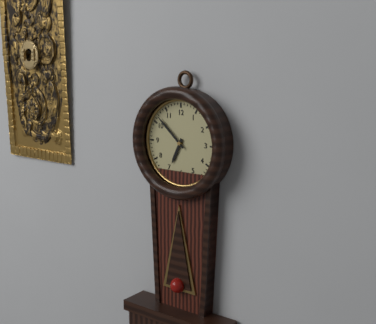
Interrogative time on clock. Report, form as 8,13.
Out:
6,52
